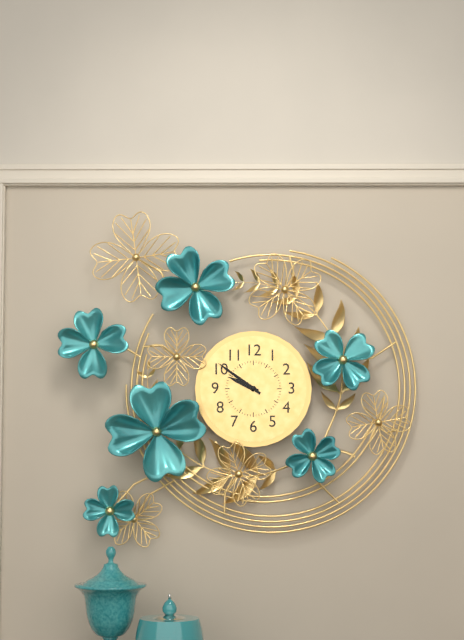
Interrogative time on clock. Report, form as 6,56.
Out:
9,51
